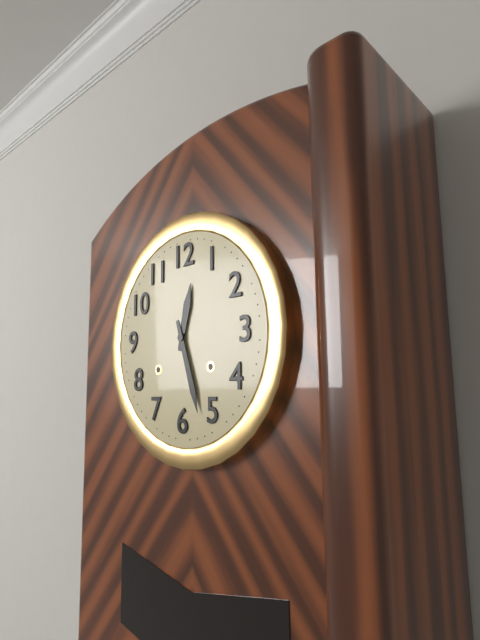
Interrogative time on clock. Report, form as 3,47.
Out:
12,27
